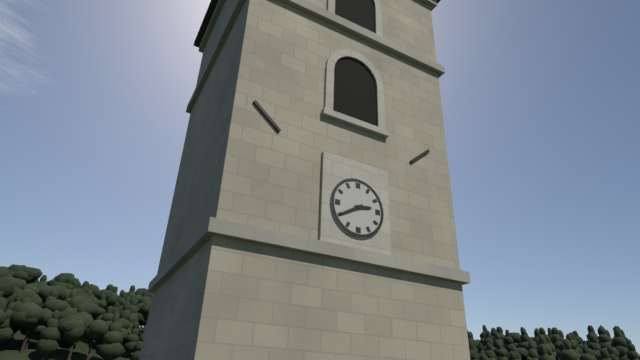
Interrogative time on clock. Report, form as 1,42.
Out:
2,40
